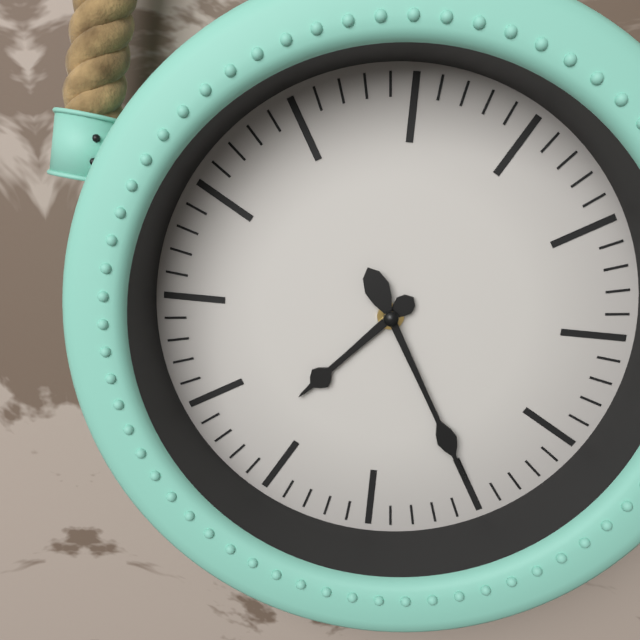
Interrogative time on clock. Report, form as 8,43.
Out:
7,25
